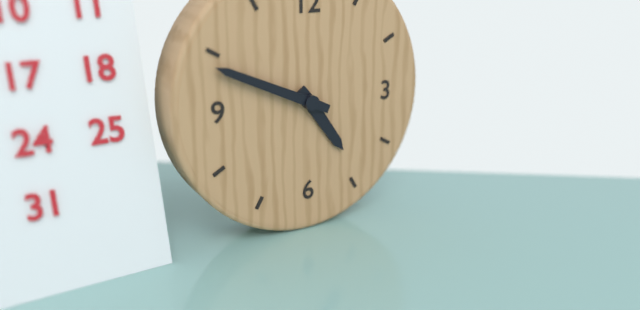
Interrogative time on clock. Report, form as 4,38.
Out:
4,49
